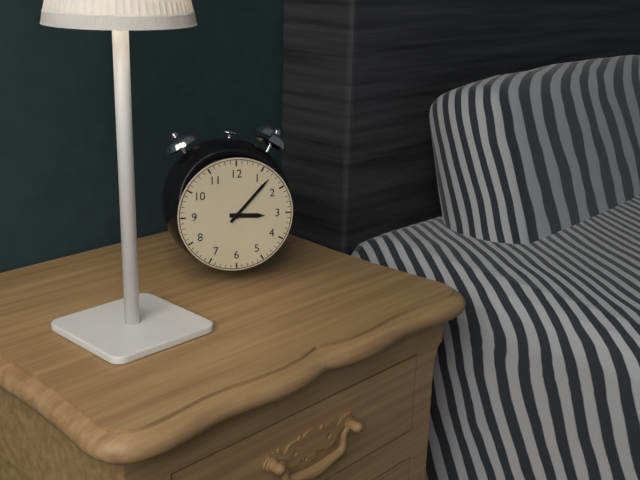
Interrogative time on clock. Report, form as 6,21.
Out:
3,07
